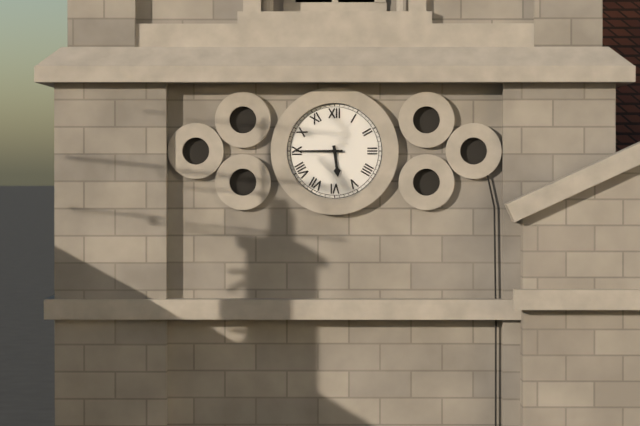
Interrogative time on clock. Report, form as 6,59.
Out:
5,45
